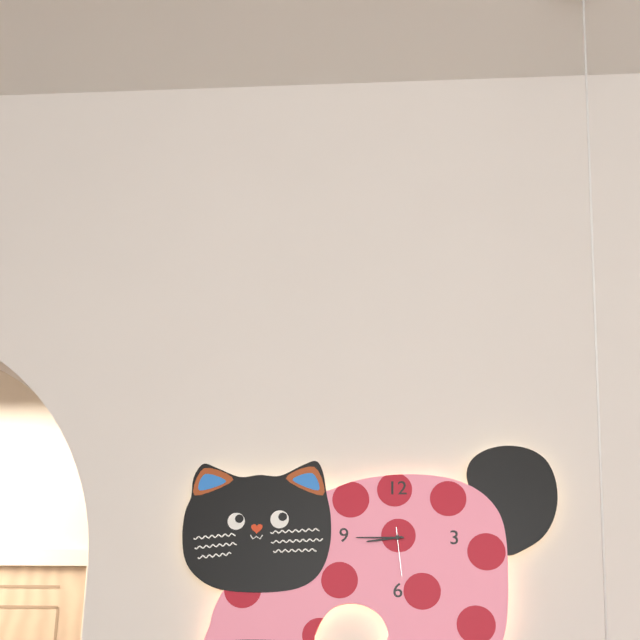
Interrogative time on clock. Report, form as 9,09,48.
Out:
8,45,29
